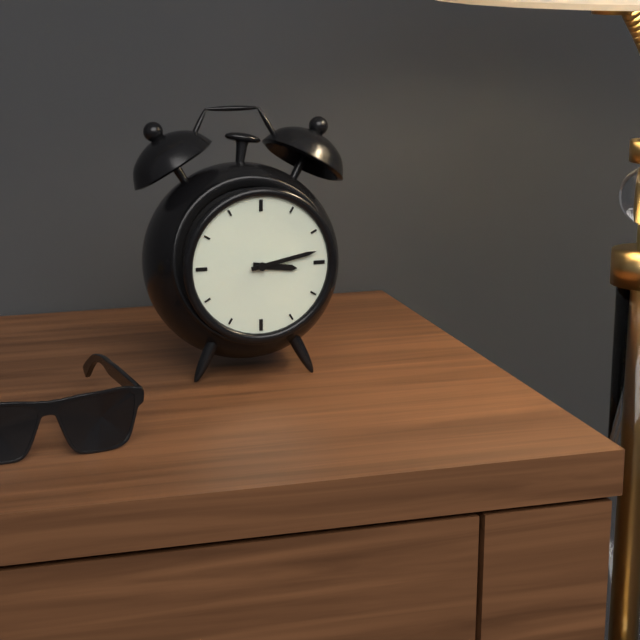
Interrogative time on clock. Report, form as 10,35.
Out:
3,13
